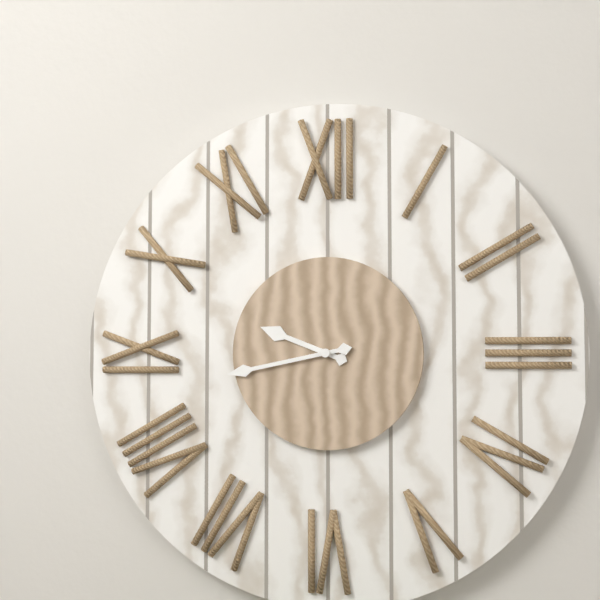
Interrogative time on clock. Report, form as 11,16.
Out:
9,43
